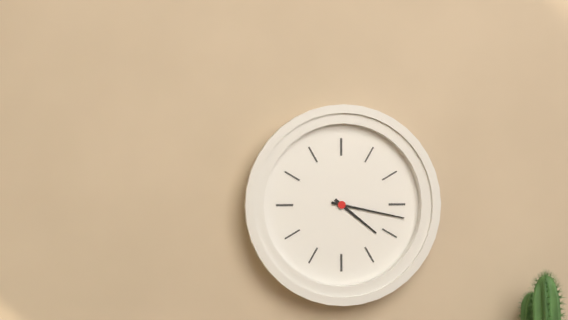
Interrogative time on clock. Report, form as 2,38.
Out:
4,17
